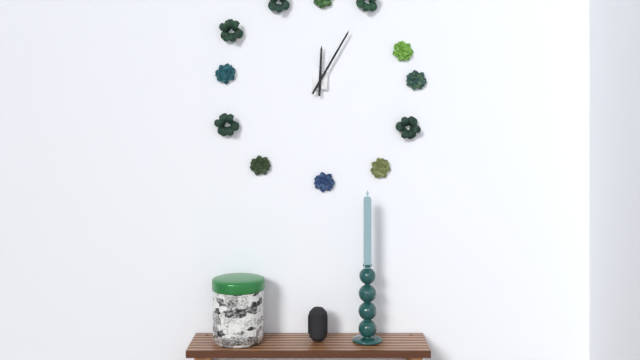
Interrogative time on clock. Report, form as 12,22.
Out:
12,05
